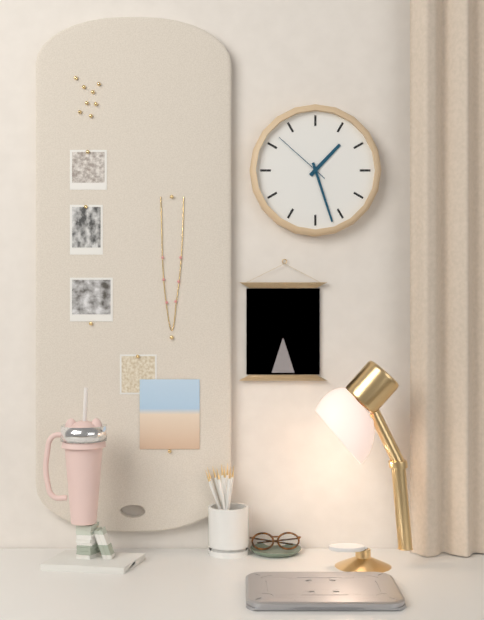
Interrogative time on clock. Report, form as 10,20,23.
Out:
1,27,52
